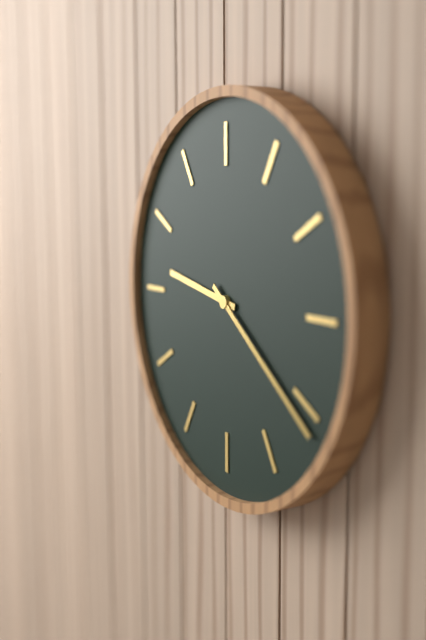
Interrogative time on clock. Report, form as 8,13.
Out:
9,21
